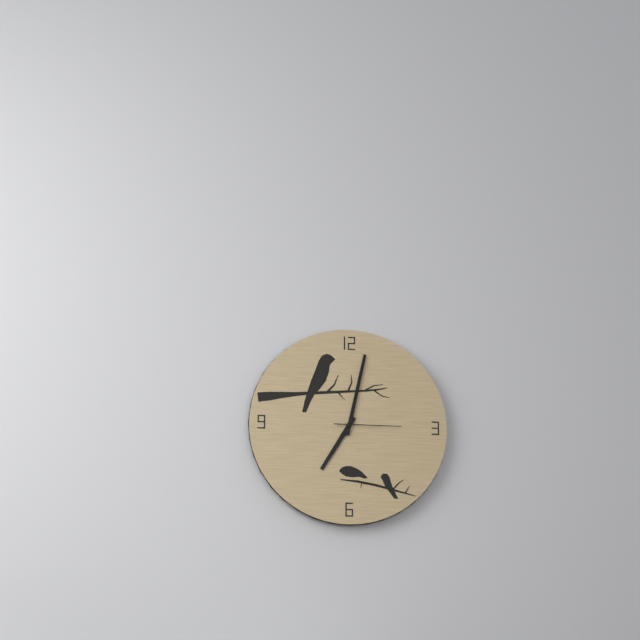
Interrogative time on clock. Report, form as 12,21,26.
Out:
7,02,15
